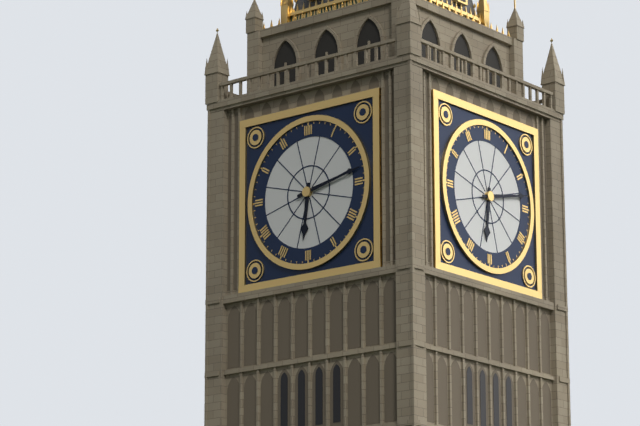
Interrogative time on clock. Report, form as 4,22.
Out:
6,13
